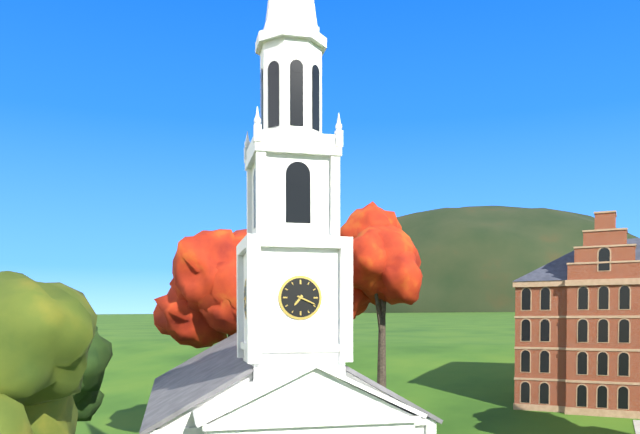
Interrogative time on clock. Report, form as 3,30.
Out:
7,19
